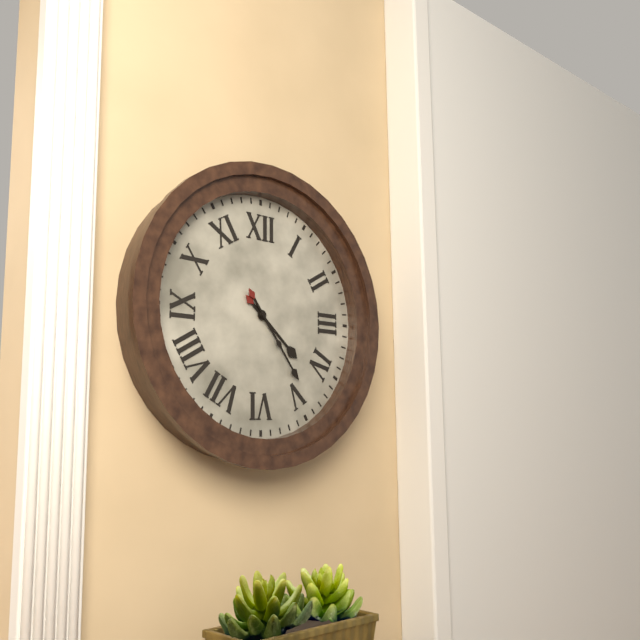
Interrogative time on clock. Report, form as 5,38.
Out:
4,24
